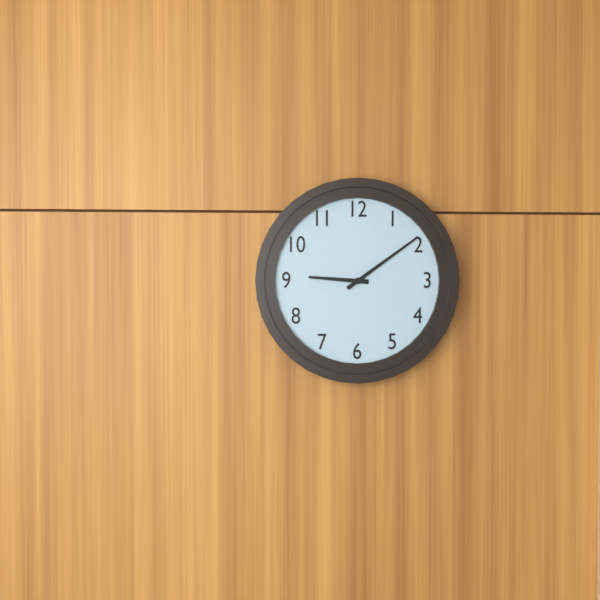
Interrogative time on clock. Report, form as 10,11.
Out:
9,09
